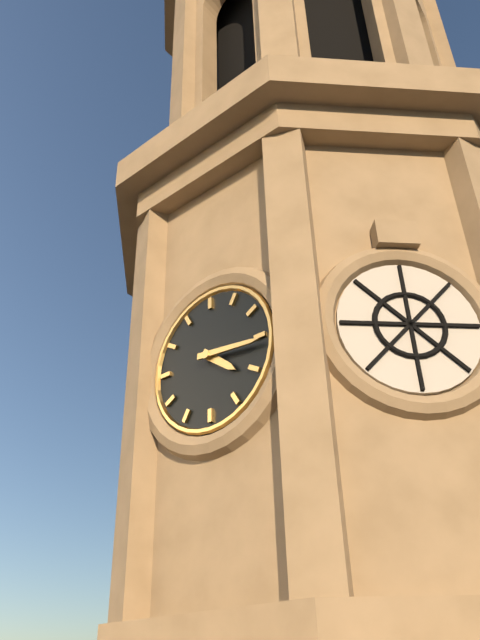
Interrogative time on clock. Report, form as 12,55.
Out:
4,16
